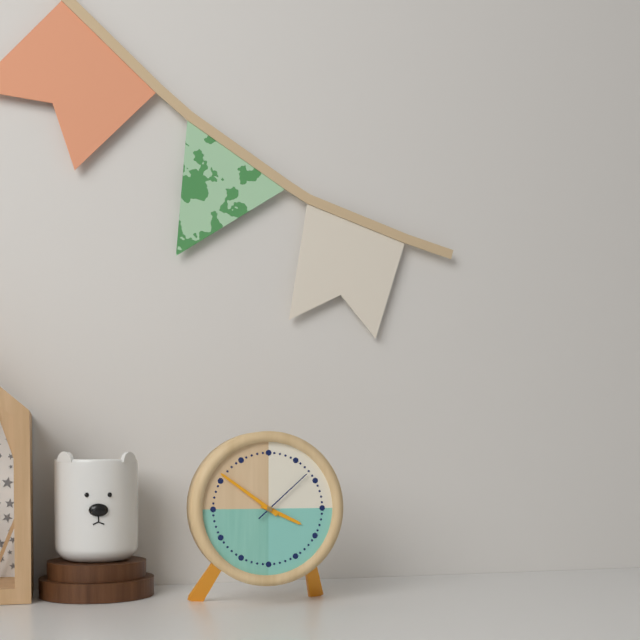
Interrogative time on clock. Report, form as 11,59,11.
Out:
3,51,08
